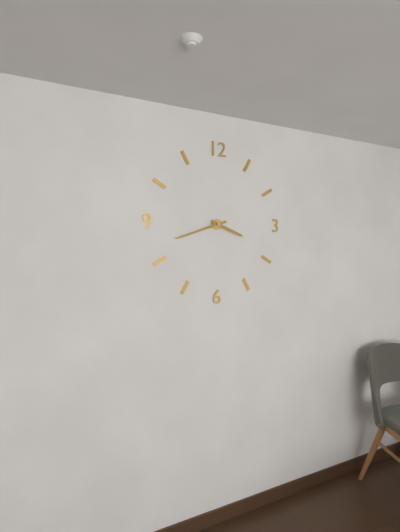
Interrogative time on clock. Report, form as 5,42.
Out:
3,42
